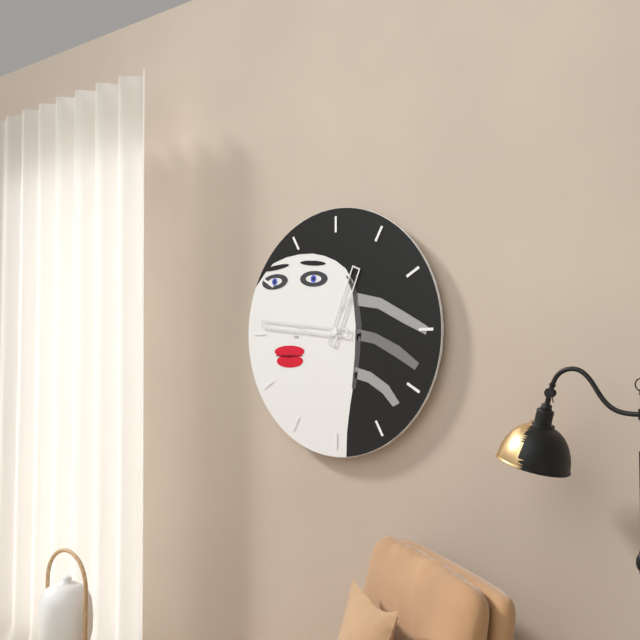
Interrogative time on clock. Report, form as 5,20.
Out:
12,46
